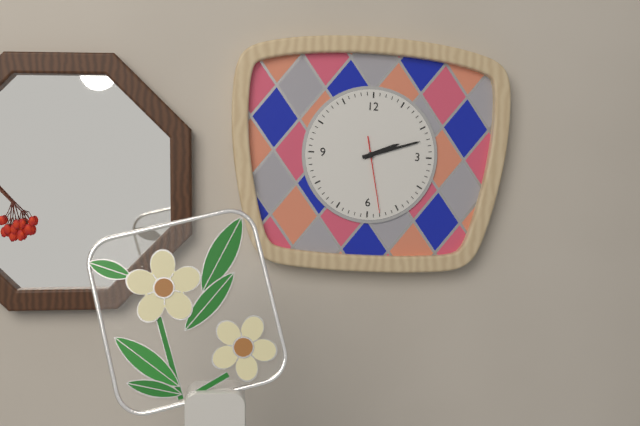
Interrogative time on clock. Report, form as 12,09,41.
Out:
2,12,28
